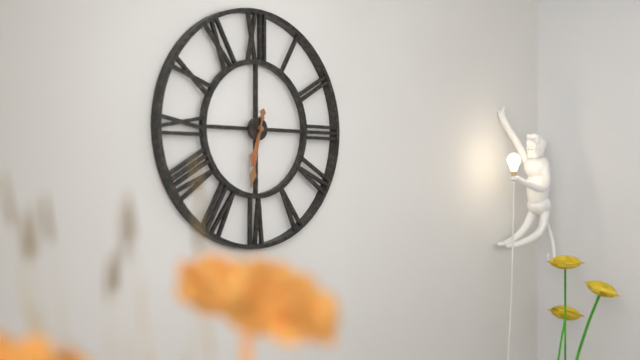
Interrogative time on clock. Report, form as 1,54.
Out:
6,32
